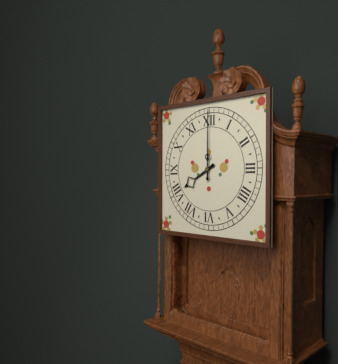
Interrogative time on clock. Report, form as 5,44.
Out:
8,00
